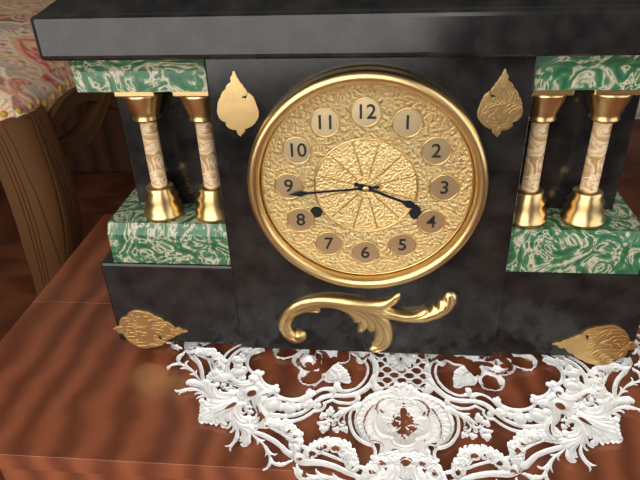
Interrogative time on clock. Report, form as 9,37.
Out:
3,44
